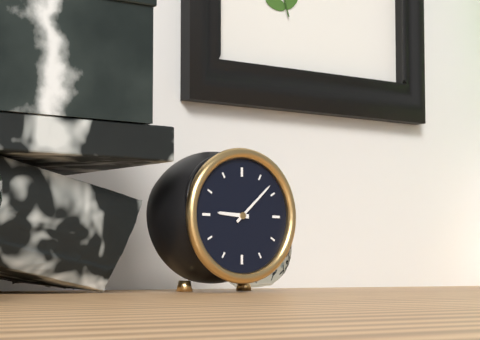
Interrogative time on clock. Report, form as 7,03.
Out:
9,08
